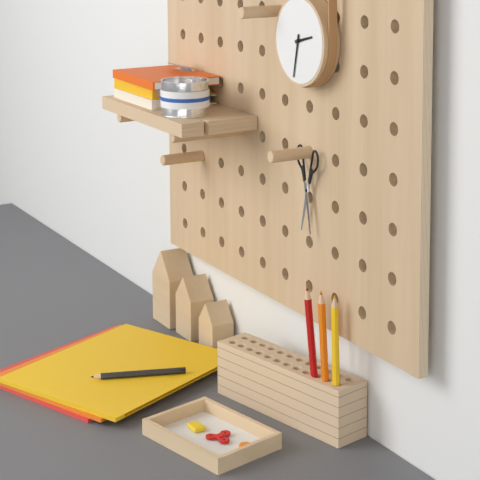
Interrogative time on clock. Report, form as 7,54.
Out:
2,32
